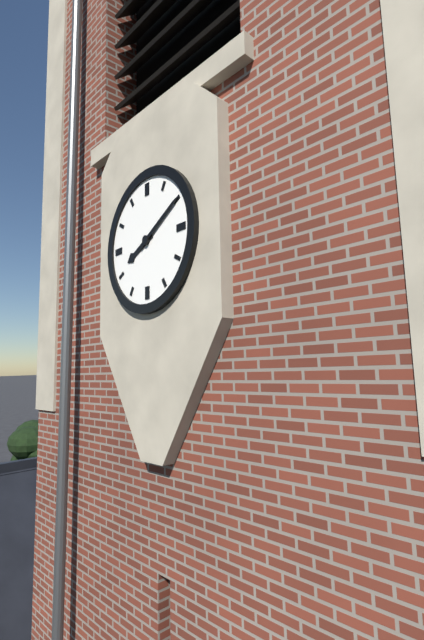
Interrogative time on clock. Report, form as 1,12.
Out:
8,10
